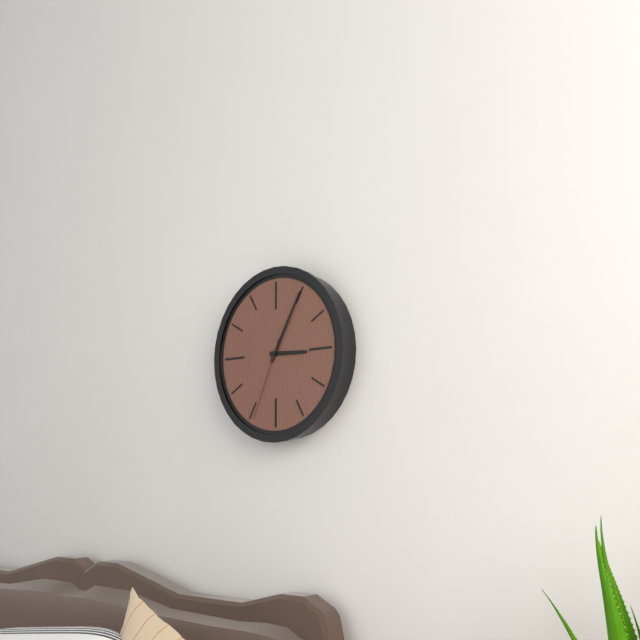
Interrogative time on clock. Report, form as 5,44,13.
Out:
3,05,34
